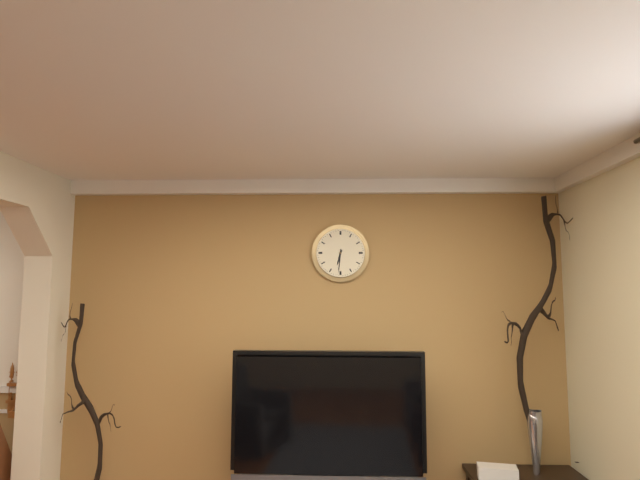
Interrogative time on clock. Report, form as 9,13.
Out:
6,31
